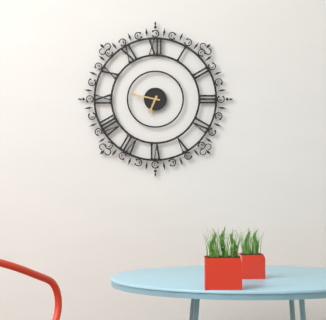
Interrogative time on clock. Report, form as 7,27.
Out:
6,47
